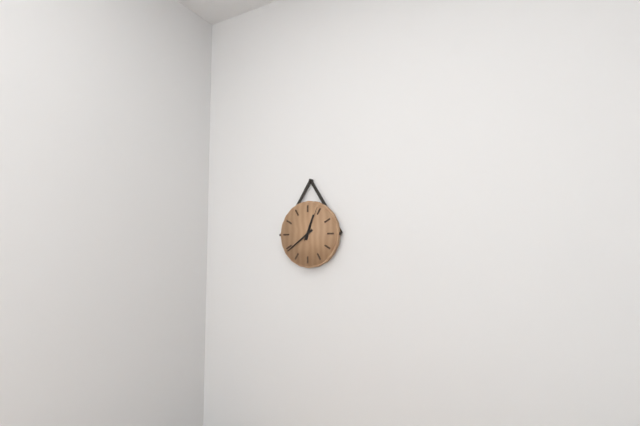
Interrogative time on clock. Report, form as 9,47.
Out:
12,39
